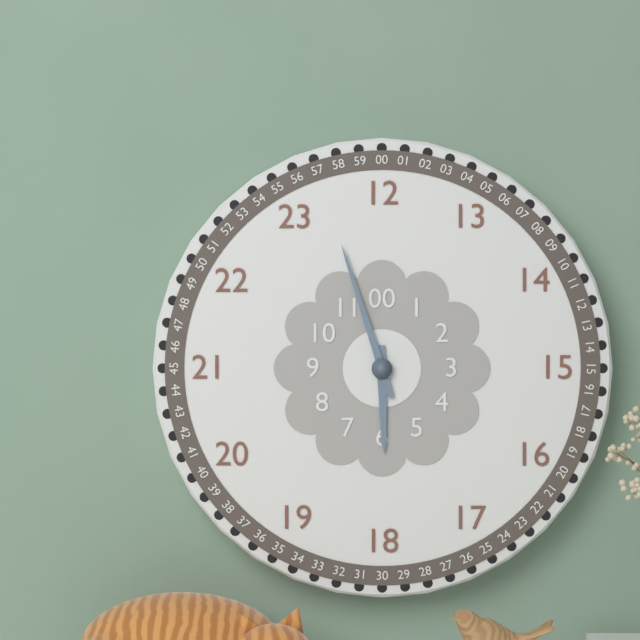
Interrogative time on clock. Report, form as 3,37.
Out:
5,57
